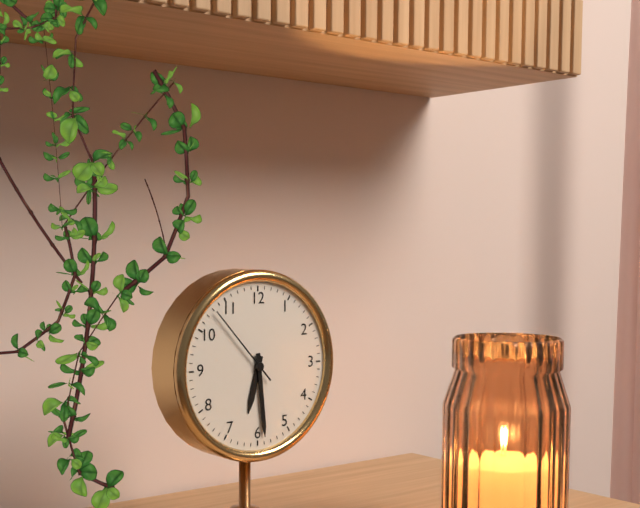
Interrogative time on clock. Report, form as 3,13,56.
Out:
6,29,53
